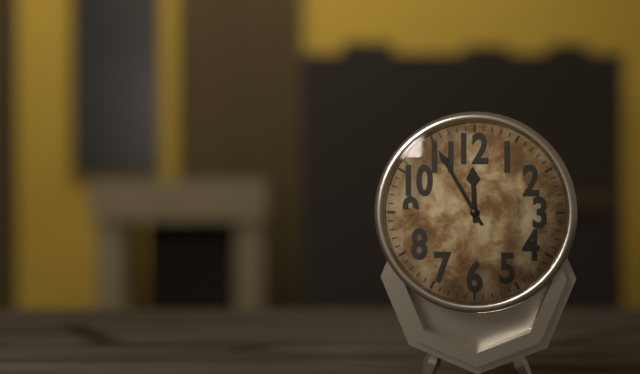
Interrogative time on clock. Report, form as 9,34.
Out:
11,55
